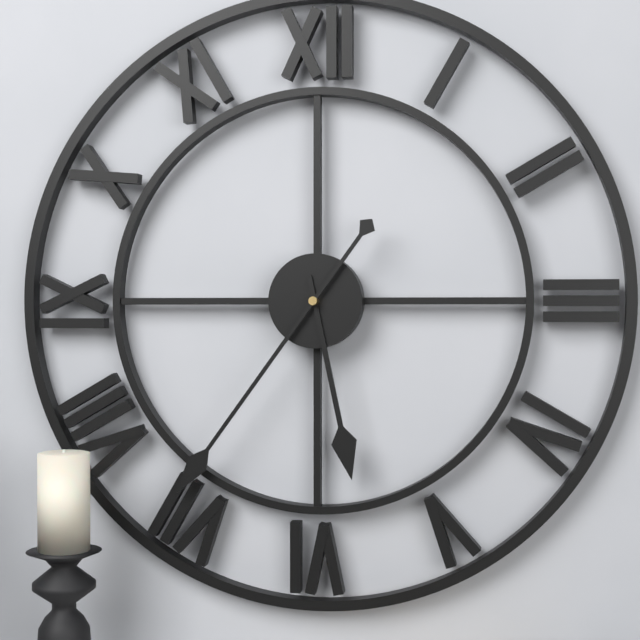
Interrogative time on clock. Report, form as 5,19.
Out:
5,36
